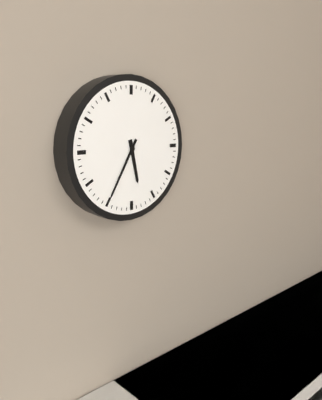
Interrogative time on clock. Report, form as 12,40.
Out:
5,35
